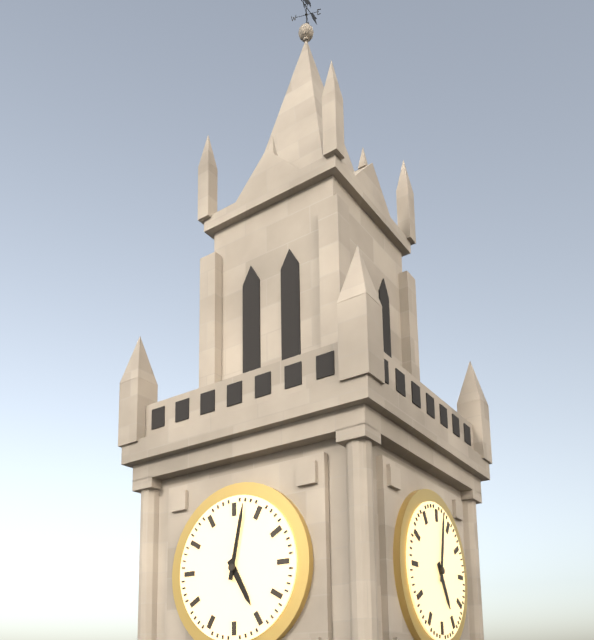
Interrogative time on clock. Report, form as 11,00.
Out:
5,02
